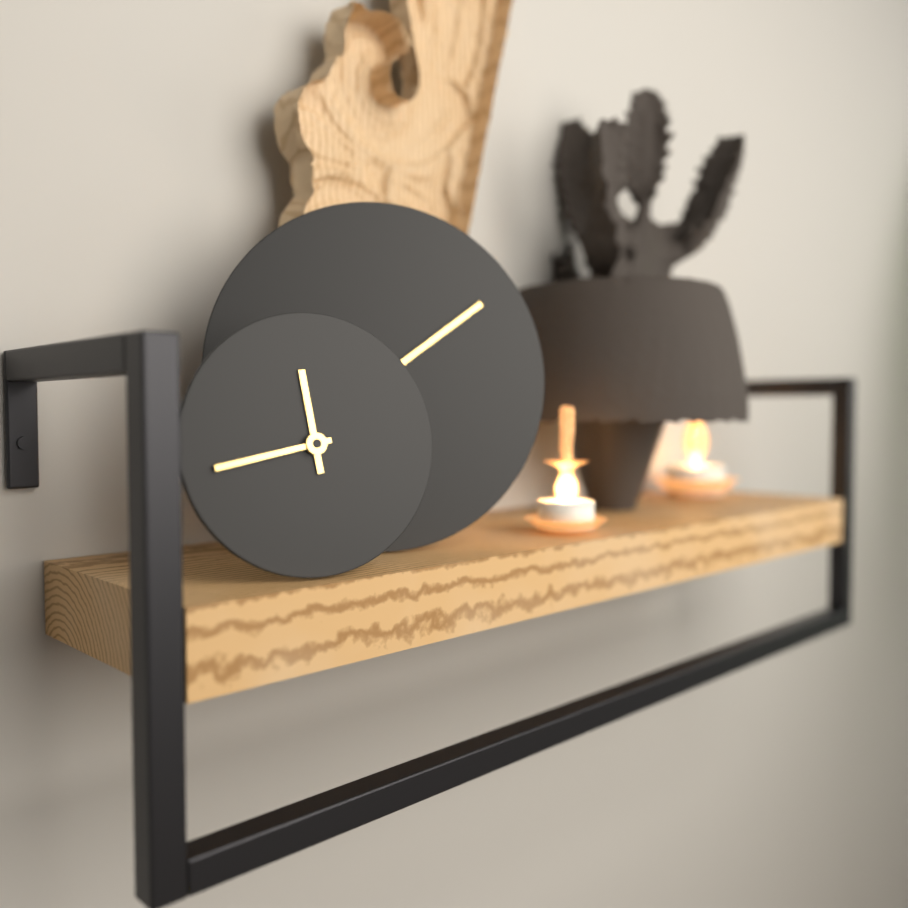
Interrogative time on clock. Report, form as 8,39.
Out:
11,43
